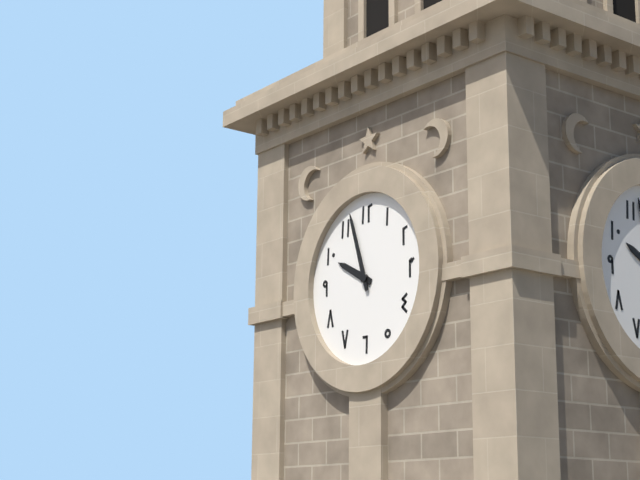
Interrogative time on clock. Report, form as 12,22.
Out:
9,57
